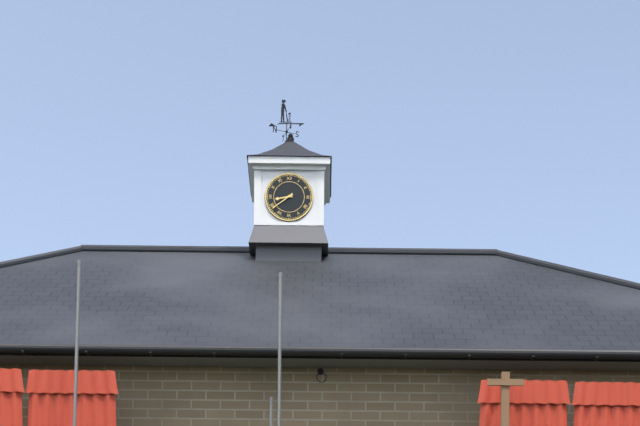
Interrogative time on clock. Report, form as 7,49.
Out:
8,39
